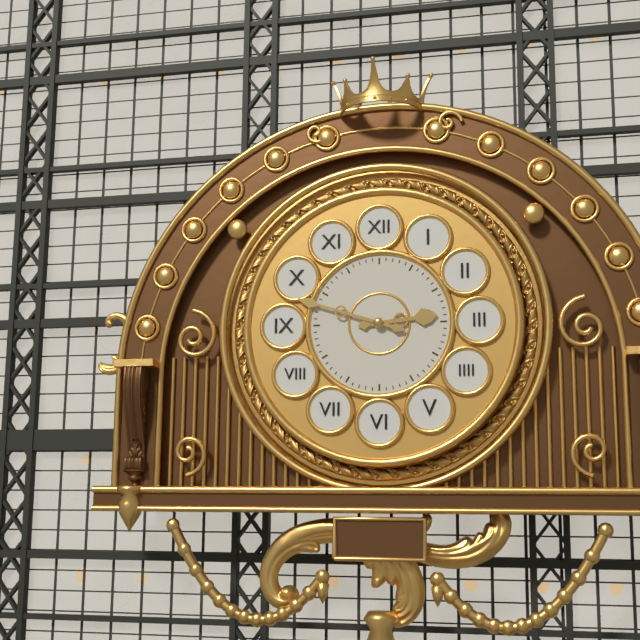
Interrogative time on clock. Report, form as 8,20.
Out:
2,48
